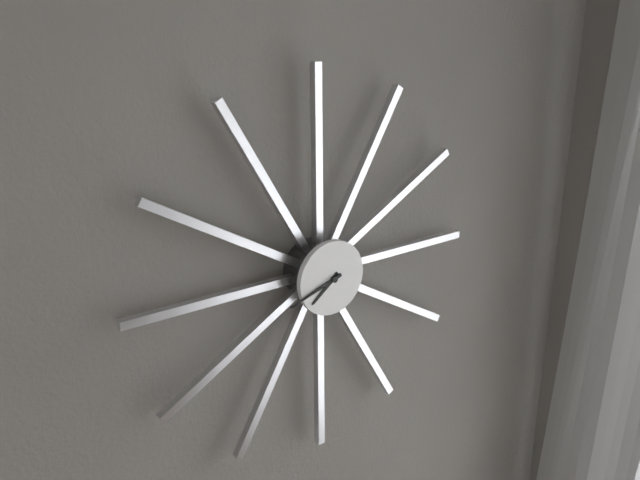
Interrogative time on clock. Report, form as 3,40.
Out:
7,42
